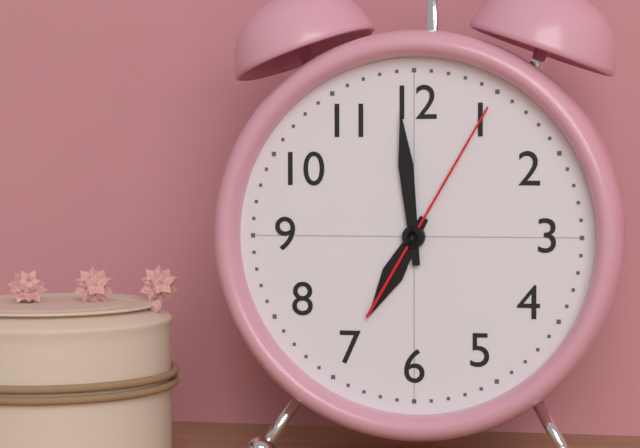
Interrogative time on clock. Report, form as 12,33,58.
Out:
6,59,05
